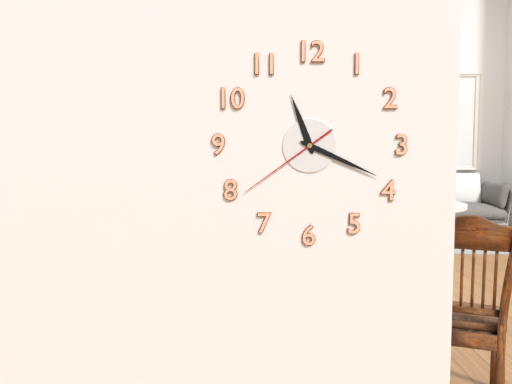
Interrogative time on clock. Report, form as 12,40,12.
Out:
11,19,39
